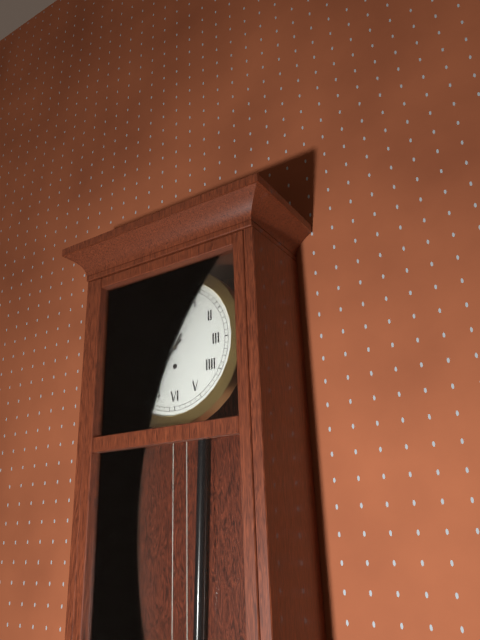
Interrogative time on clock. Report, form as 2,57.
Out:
7,36
